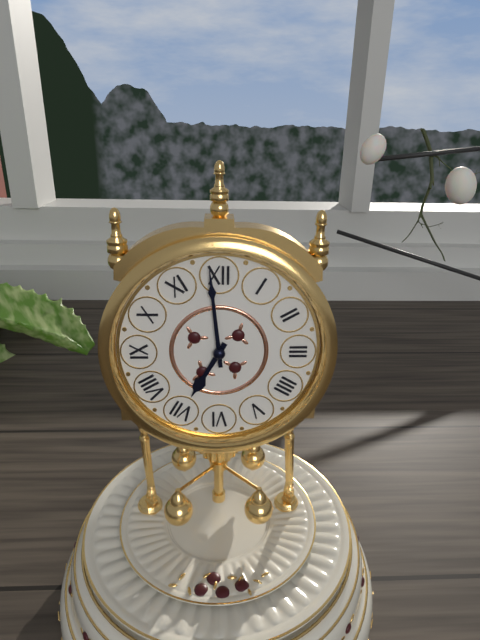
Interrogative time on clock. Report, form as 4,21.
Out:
6,59
